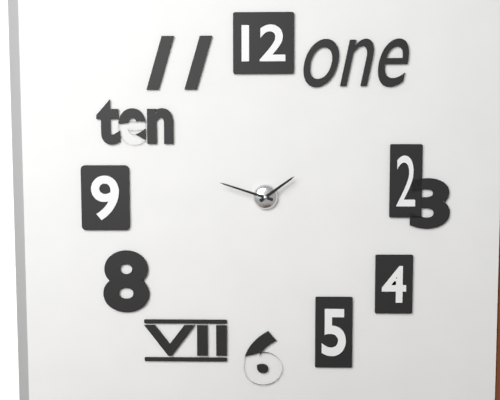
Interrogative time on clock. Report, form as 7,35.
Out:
1,48
